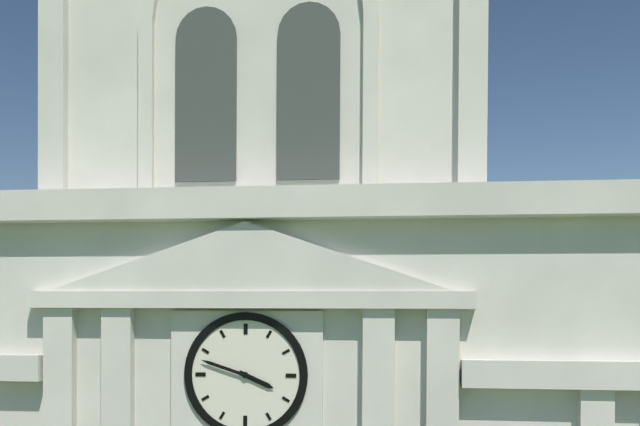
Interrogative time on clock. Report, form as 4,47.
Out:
3,48
